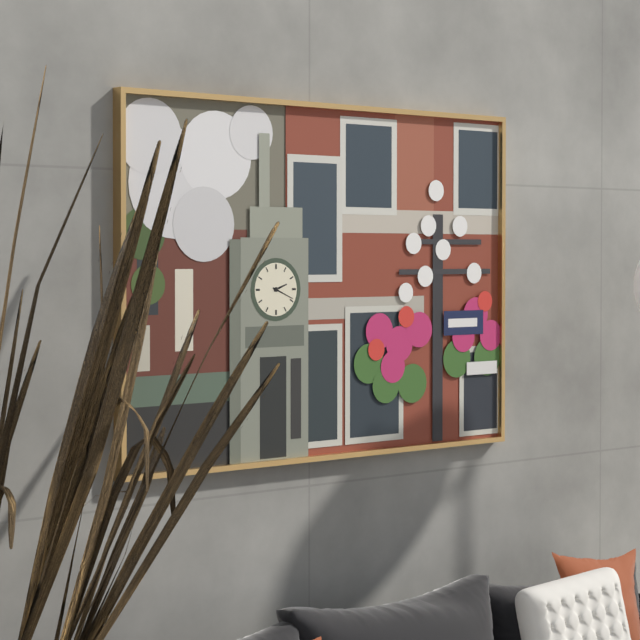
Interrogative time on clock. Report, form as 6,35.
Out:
2,19
